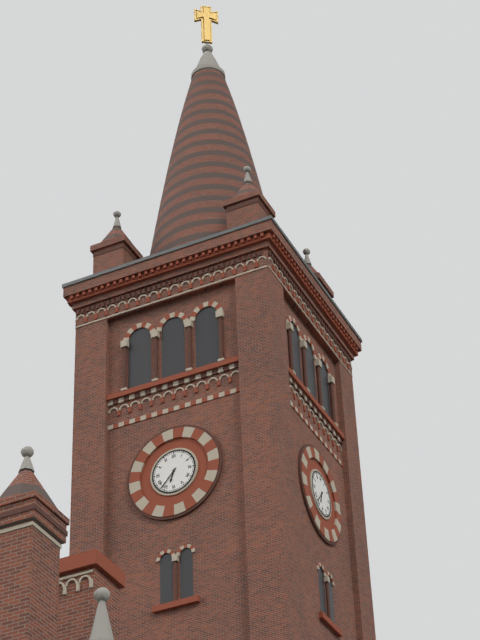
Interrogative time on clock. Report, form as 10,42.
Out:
6,37
